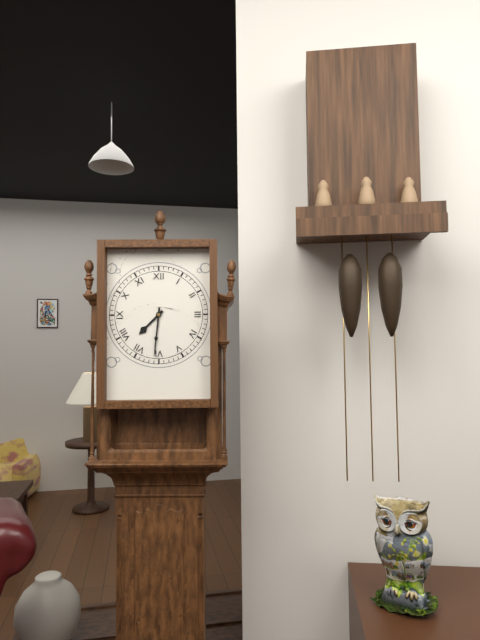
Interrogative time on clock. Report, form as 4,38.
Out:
7,31
